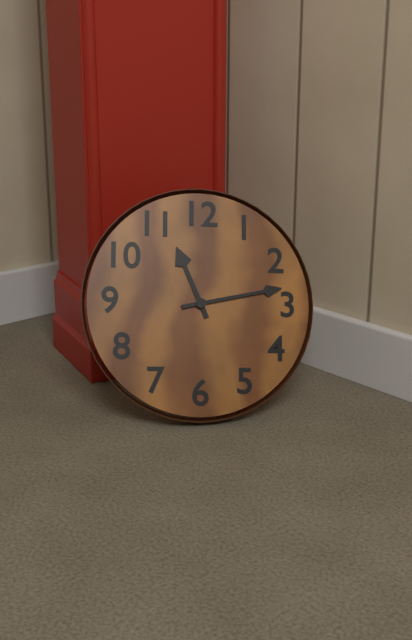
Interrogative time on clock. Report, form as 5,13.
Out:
11,13
